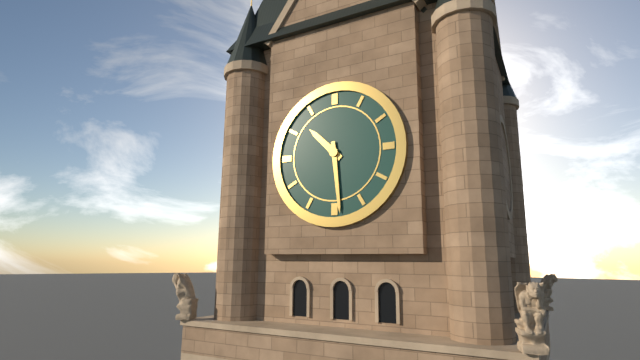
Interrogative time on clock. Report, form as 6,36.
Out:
10,29
